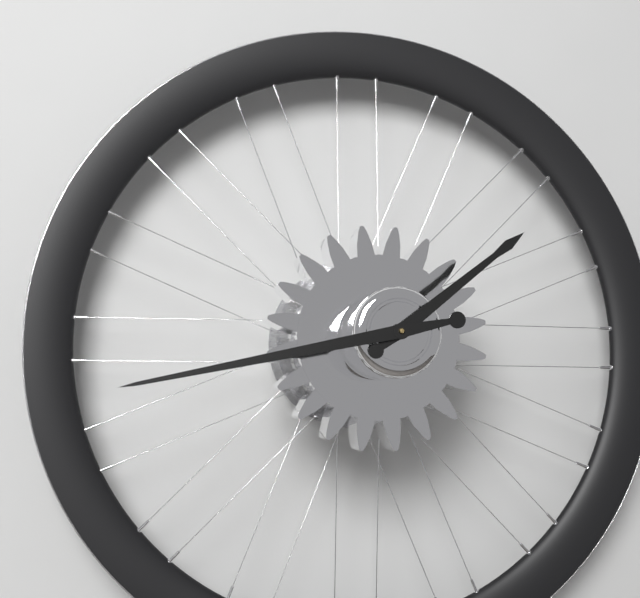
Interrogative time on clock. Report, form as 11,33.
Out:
1,43
